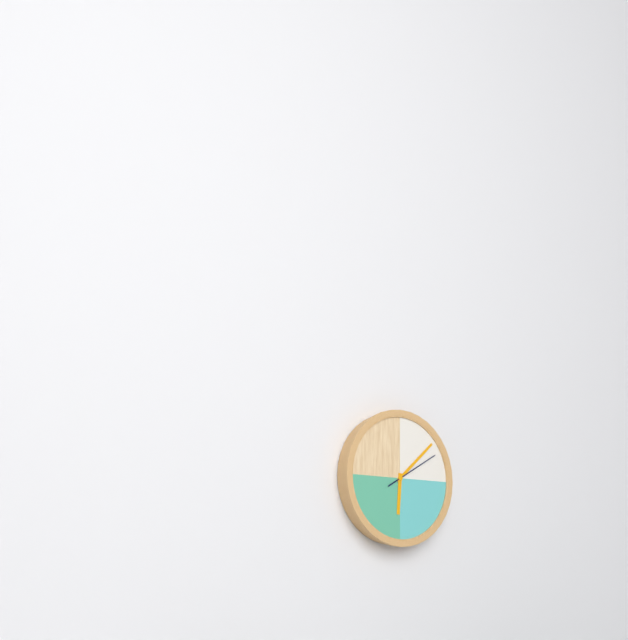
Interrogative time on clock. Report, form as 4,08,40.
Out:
6,08,10
